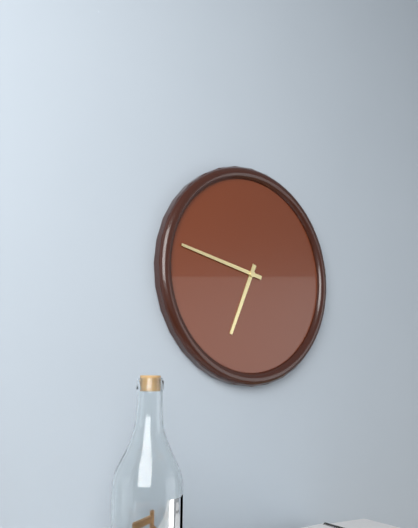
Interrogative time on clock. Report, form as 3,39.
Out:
6,47
